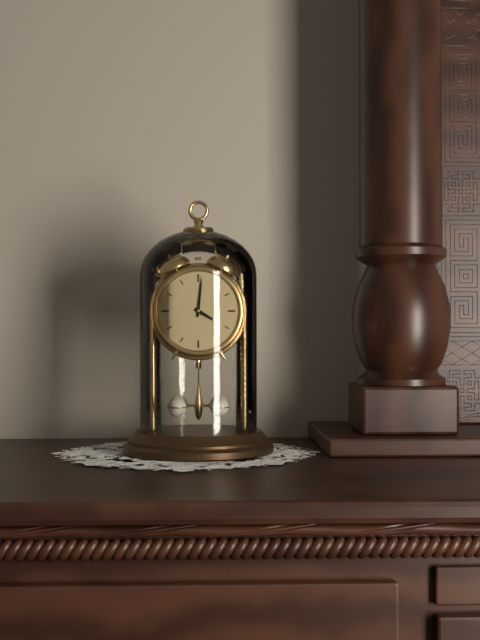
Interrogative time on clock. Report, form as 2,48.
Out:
4,01
